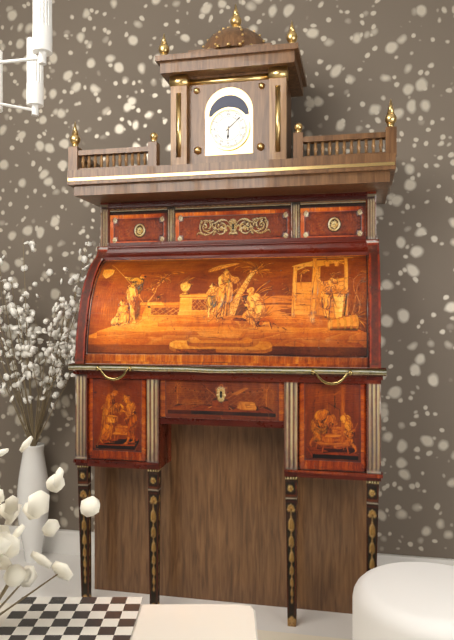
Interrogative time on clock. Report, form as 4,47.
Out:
6,08
